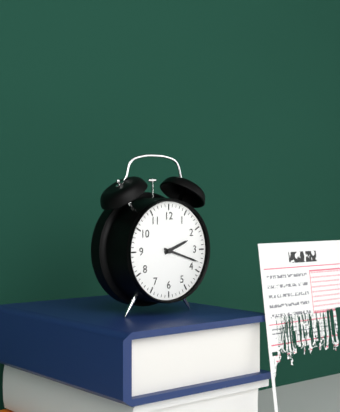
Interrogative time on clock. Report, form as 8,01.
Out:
2,18
